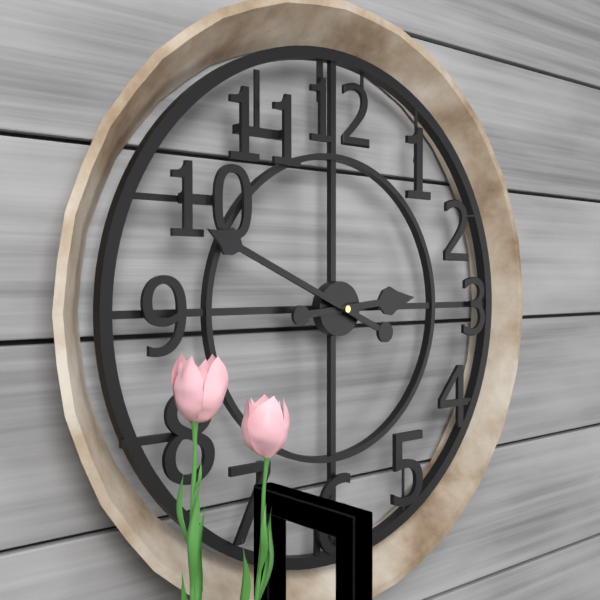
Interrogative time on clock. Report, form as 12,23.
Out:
2,49
